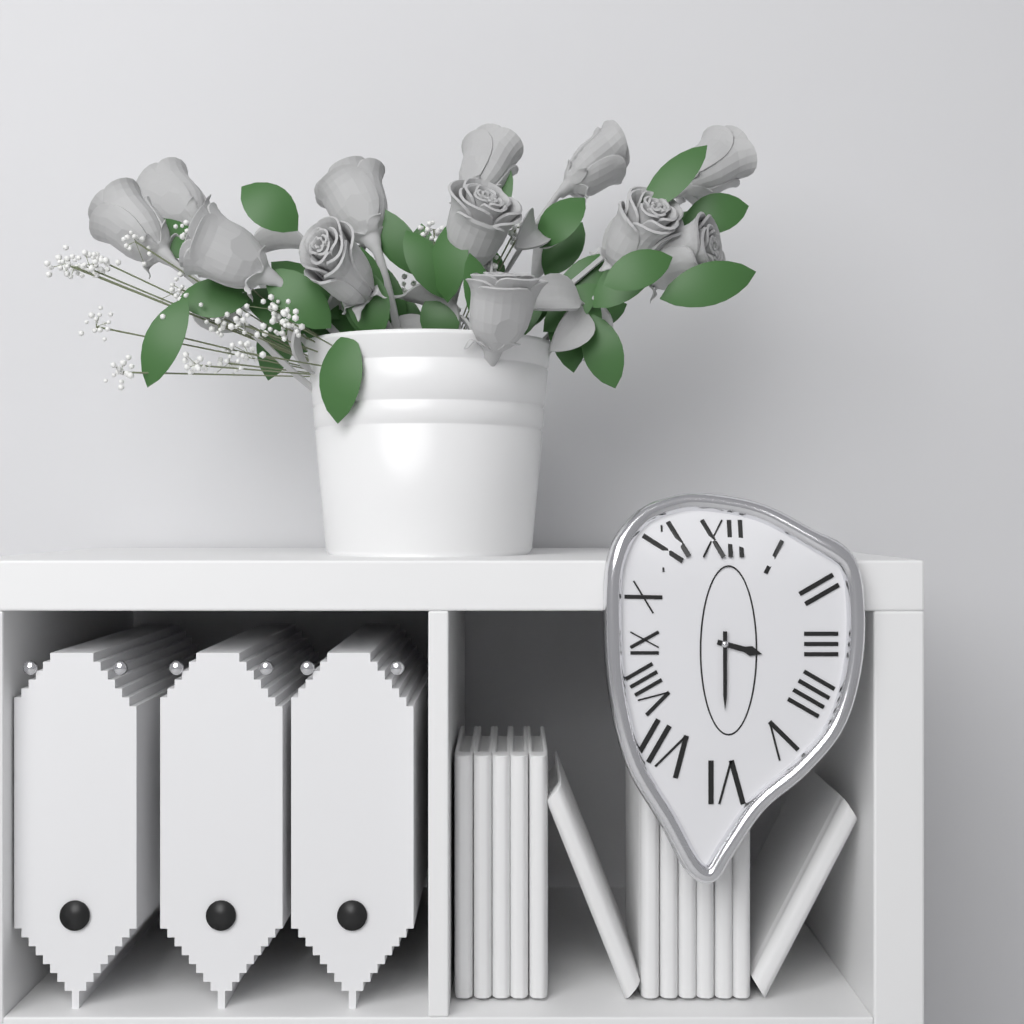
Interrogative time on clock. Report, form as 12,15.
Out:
3,30
